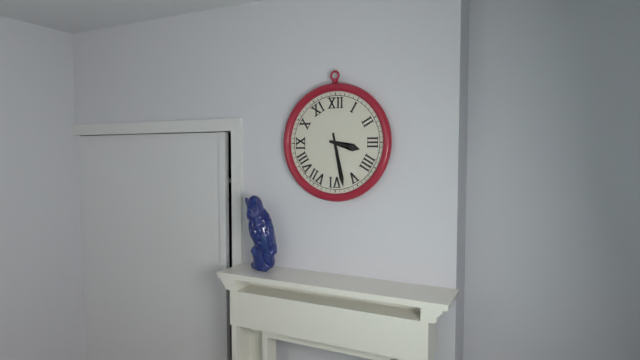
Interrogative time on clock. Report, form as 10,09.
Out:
3,28
